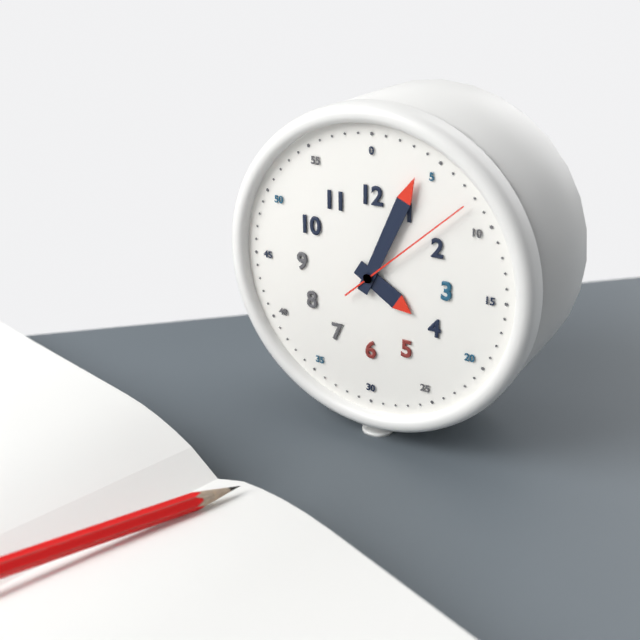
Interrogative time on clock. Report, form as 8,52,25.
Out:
4,04,08
